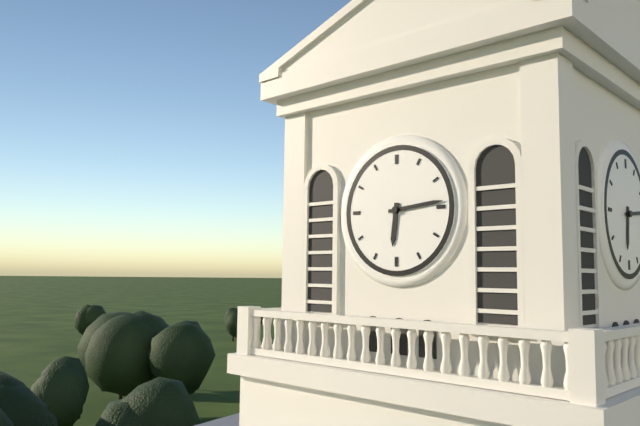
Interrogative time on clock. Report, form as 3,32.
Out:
6,14
